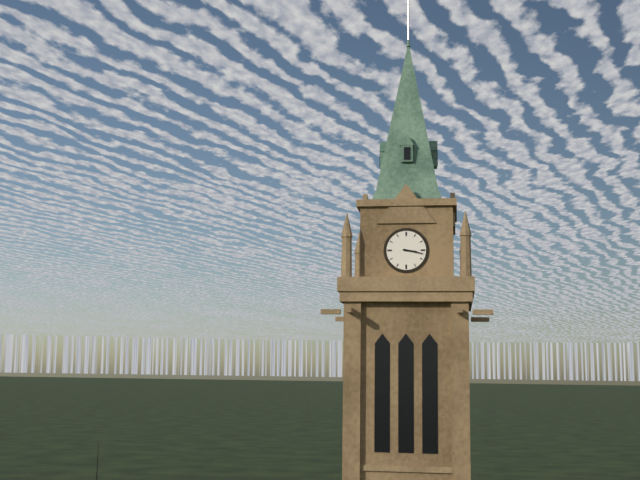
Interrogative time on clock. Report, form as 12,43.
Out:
3,17
